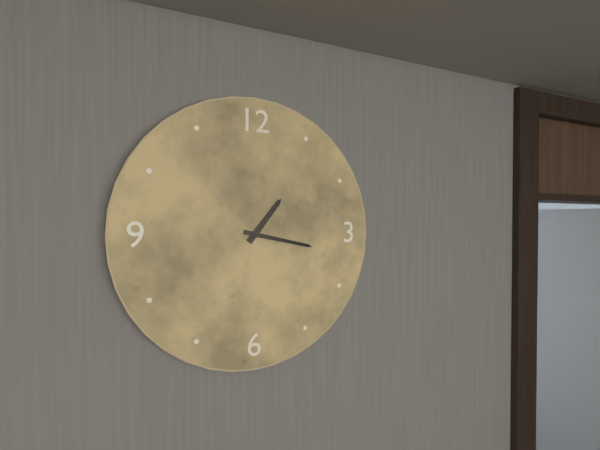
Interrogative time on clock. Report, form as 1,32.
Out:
1,17
